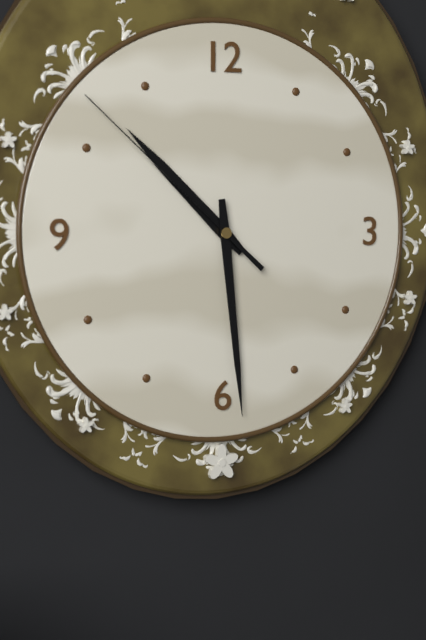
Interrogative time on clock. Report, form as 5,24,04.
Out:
10,29,52
